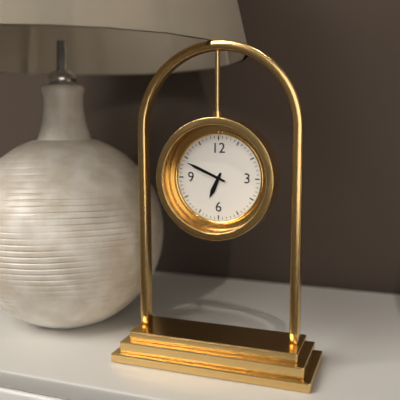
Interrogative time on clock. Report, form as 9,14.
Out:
6,49
